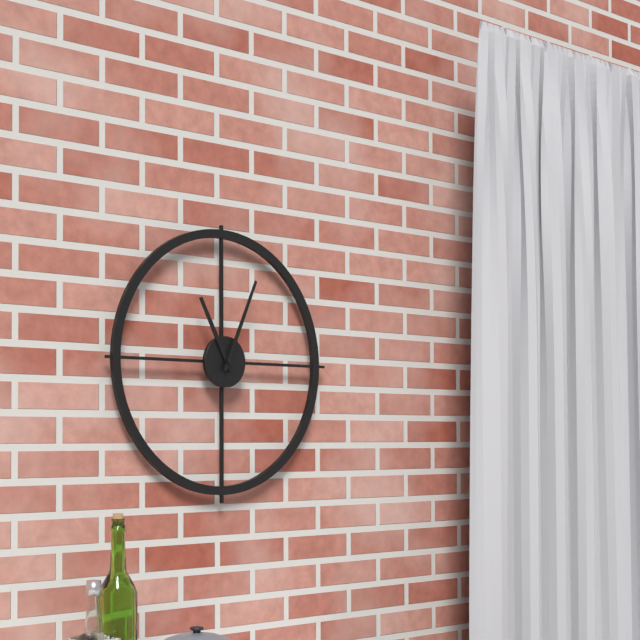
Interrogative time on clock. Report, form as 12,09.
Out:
11,04
